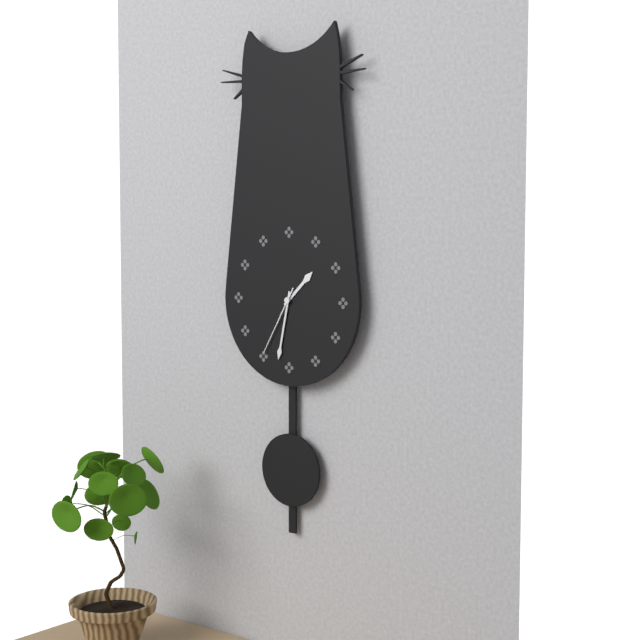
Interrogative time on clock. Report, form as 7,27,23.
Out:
1,32,35
